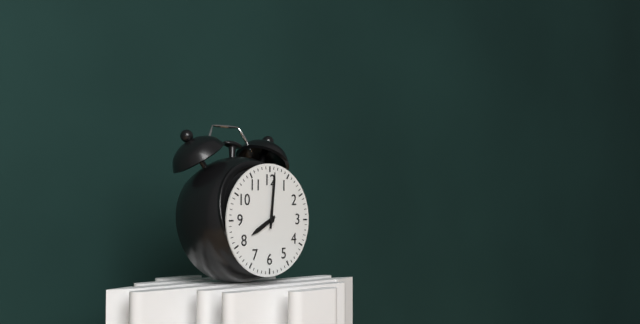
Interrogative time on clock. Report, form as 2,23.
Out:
8,01
